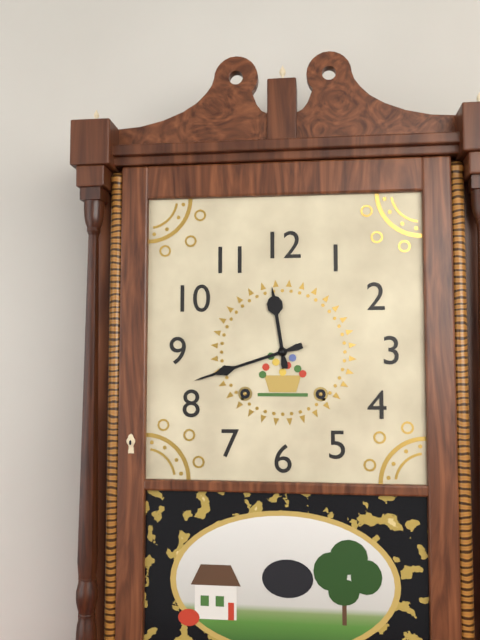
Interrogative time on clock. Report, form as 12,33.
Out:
11,42
